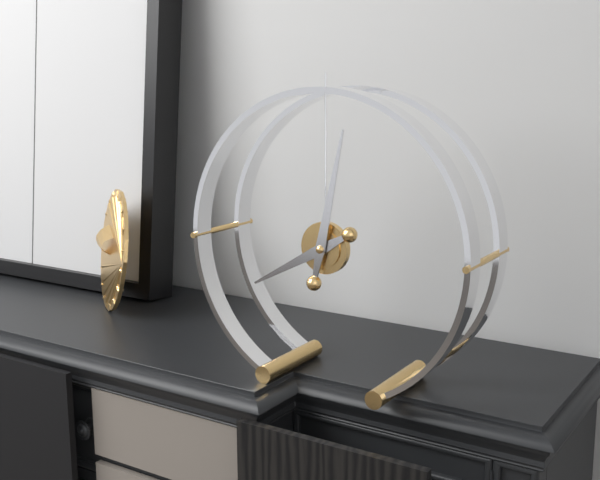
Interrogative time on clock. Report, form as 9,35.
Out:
8,02
